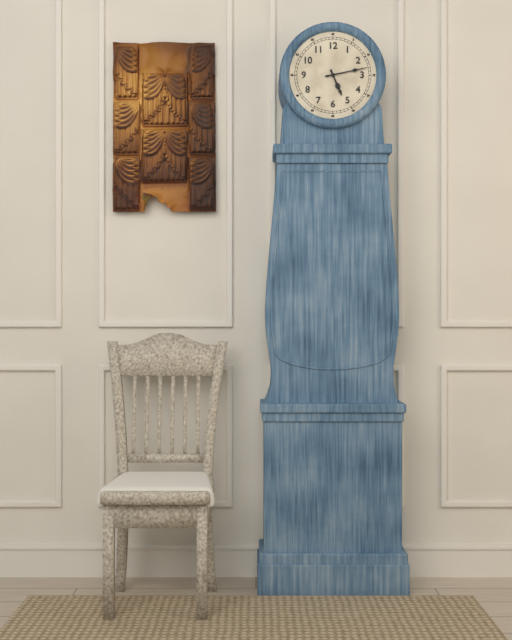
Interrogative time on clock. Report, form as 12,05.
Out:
5,13
